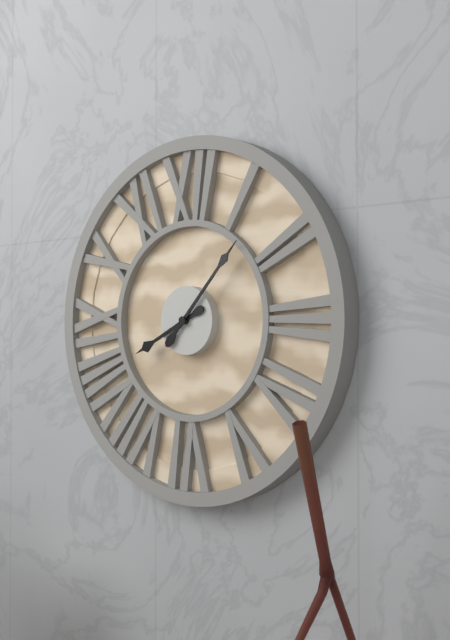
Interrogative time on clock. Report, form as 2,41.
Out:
8,07
